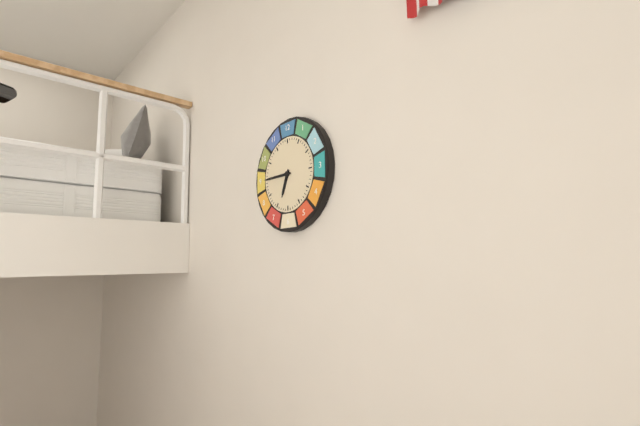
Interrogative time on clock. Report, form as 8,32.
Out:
6,45
